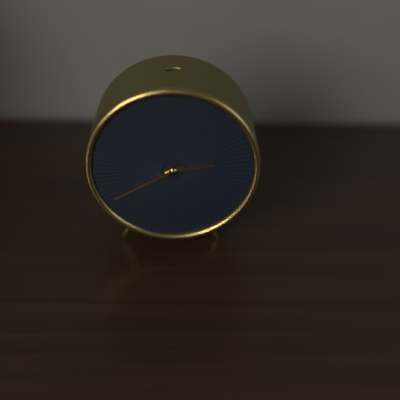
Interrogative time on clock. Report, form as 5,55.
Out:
2,40
